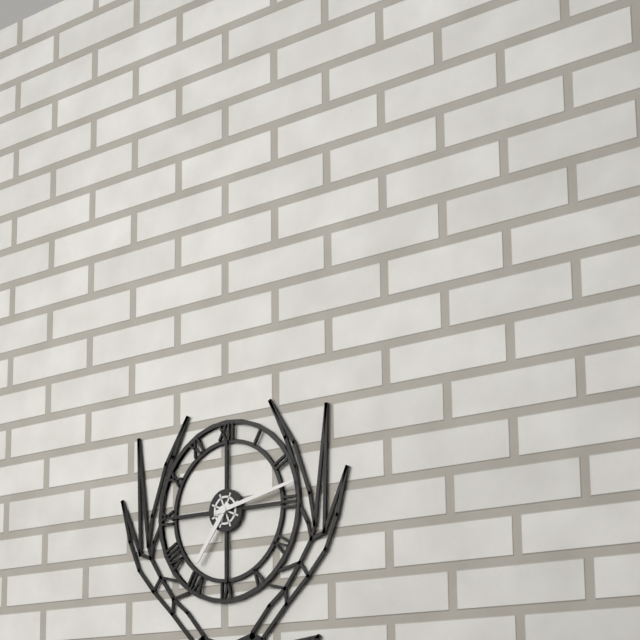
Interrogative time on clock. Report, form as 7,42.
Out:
7,13
